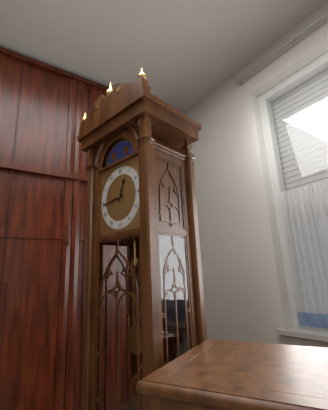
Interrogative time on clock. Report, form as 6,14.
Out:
12,44
